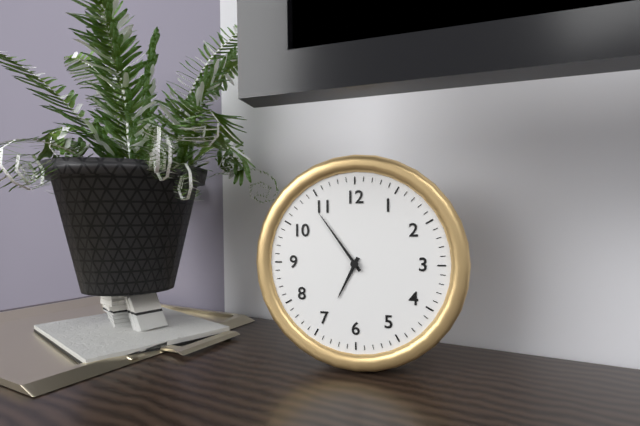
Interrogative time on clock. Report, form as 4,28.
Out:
6,54
